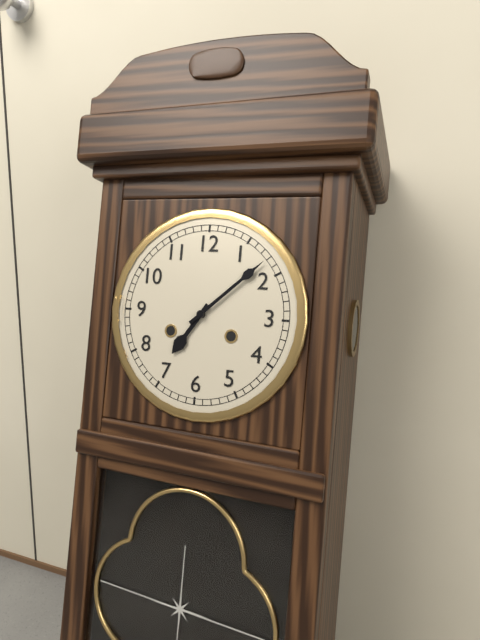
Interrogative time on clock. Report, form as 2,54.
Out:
7,08
